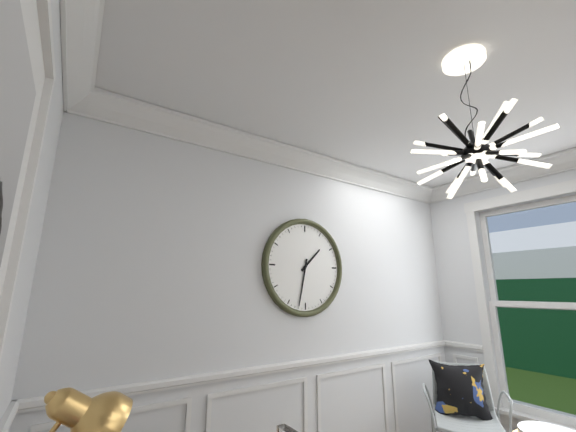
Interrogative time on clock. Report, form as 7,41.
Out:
1,32
